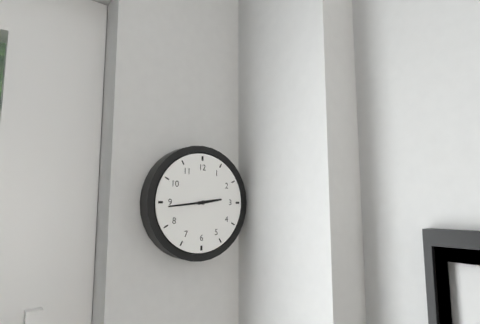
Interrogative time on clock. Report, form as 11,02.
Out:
2,44
